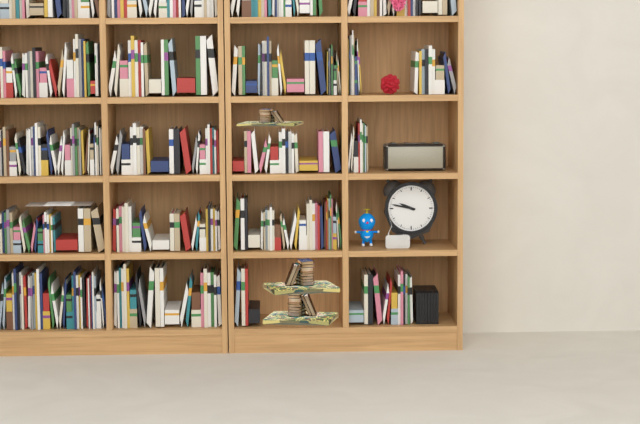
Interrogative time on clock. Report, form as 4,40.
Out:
9,47
